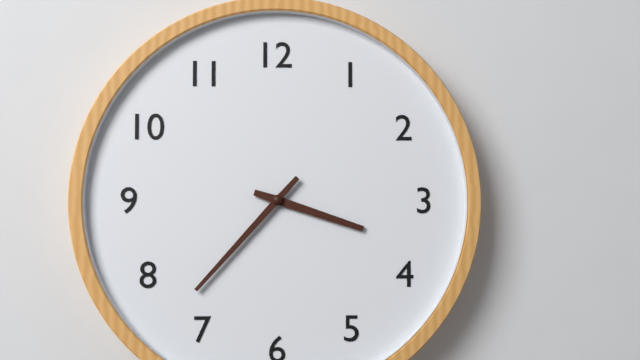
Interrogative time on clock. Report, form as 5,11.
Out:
3,37
